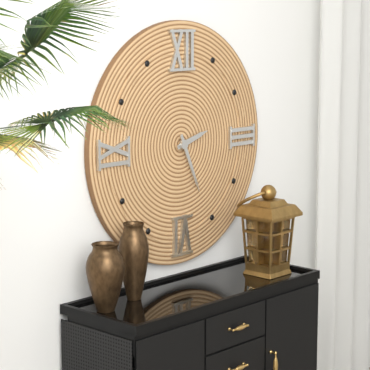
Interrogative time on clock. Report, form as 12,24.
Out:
2,26
